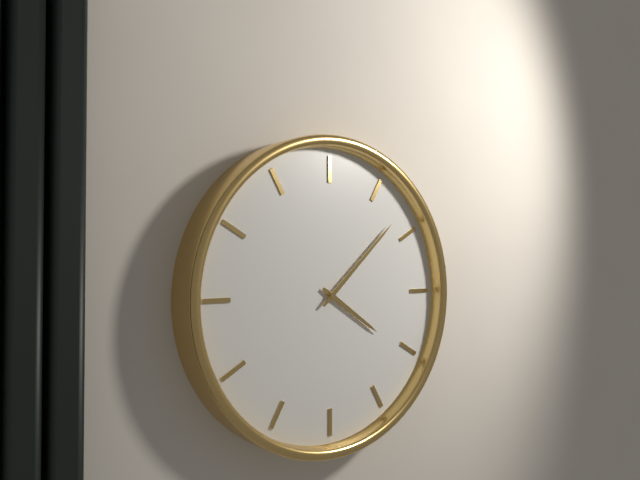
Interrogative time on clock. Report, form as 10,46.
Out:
4,08
